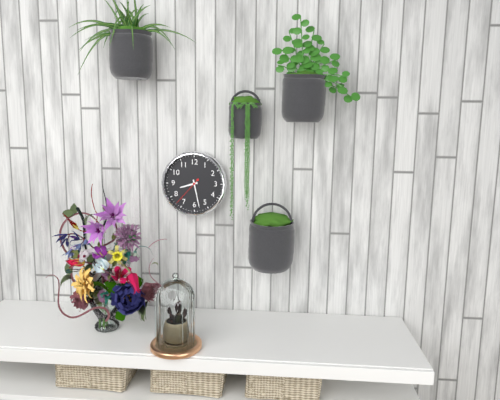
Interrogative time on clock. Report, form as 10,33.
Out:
8,28
